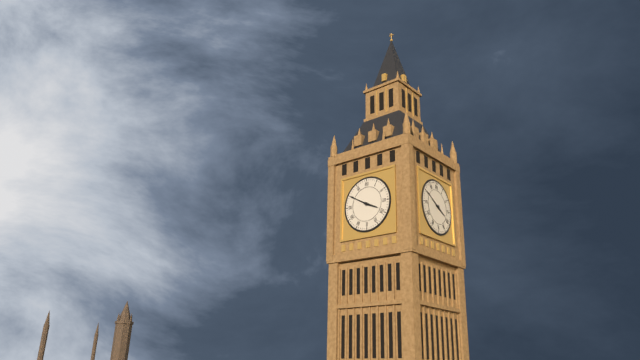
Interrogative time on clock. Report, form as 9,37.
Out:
3,50
